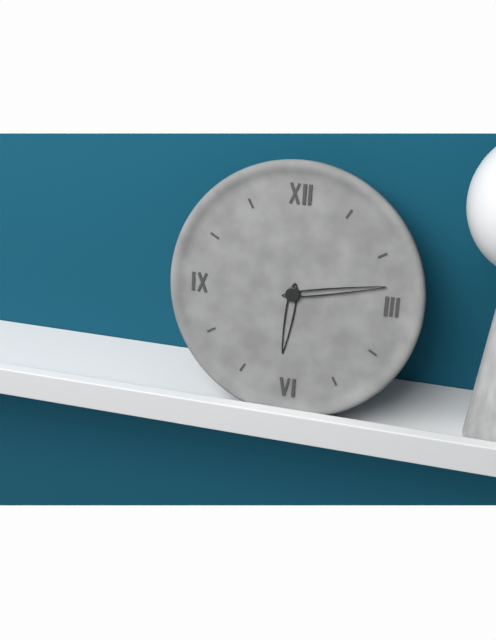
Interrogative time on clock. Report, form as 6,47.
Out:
6,13
